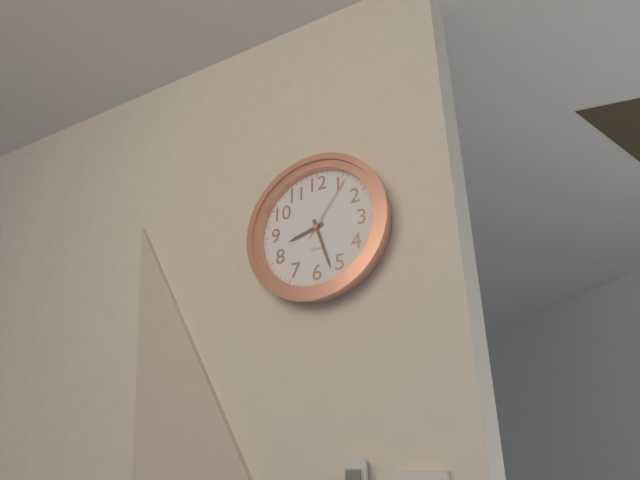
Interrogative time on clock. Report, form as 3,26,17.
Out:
8,27,06
